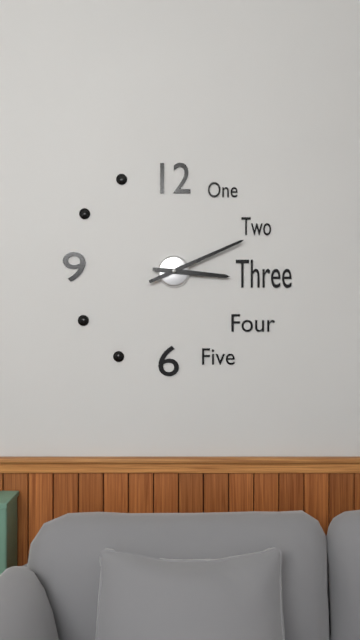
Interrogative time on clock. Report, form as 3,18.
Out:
3,11
